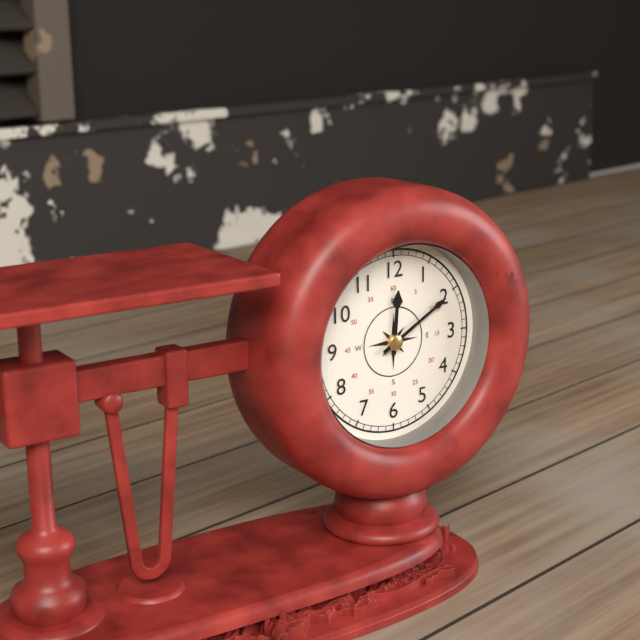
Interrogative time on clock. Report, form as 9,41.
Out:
12,10
